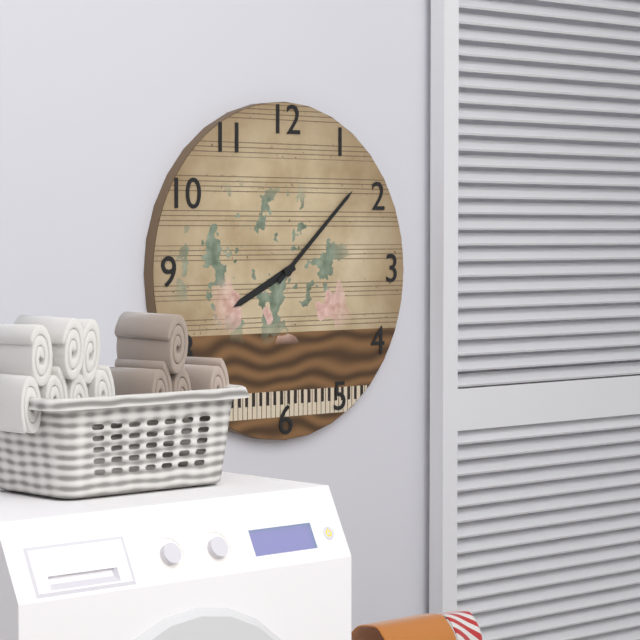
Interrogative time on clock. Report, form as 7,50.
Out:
8,08
